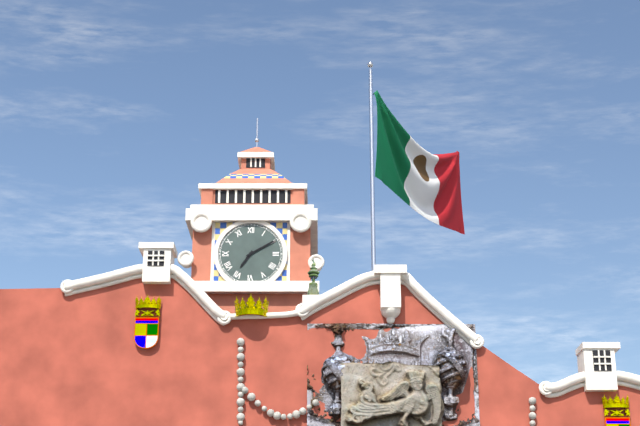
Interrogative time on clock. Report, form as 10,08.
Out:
7,10
